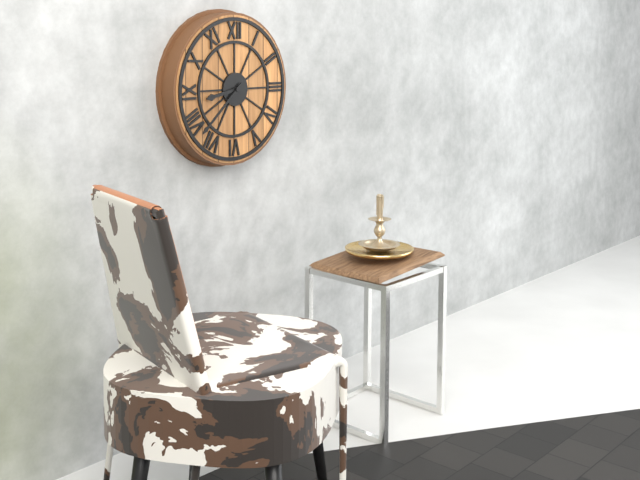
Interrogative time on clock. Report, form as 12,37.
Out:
8,38
